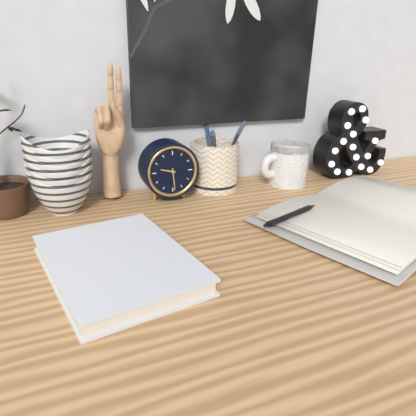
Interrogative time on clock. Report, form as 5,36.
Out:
9,29
